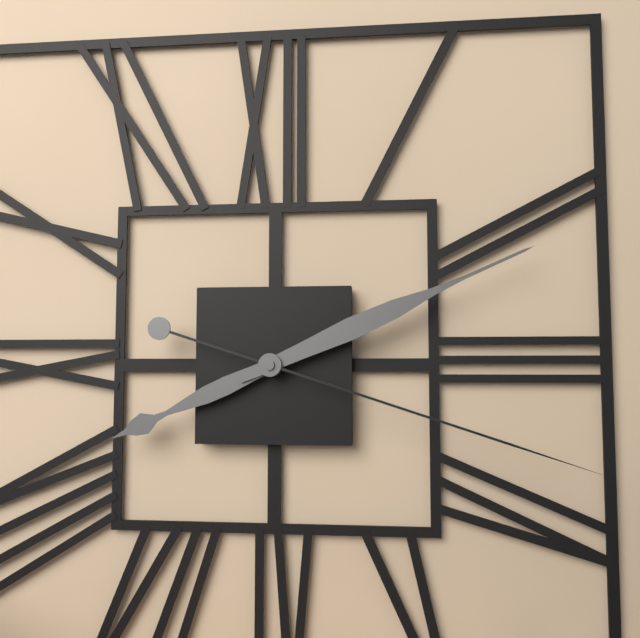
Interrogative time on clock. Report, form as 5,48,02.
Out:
8,11,18
